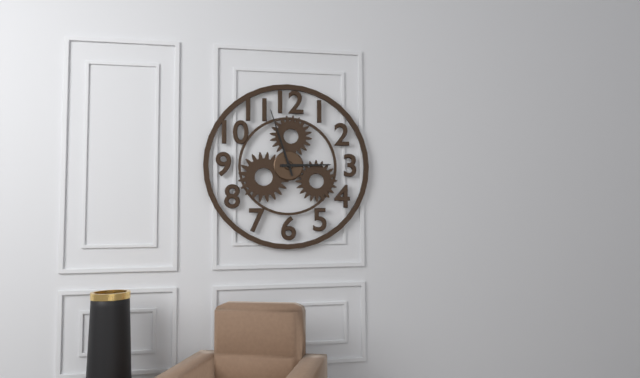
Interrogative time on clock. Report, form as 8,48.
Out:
2,57
